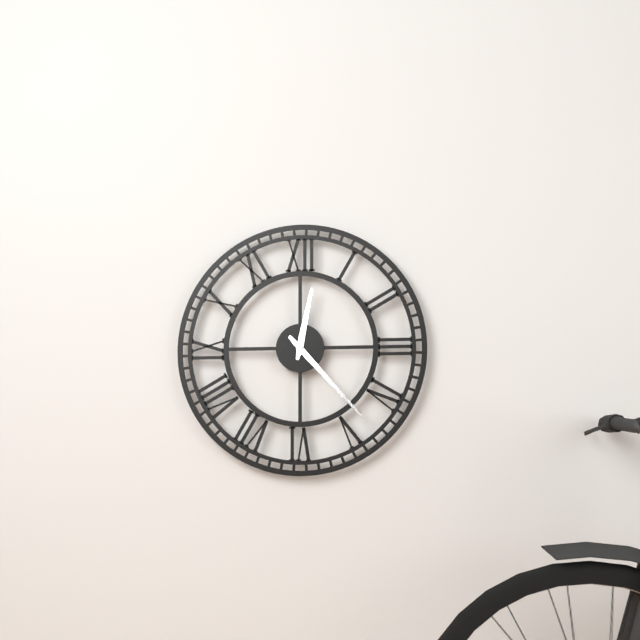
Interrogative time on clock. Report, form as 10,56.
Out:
12,23
